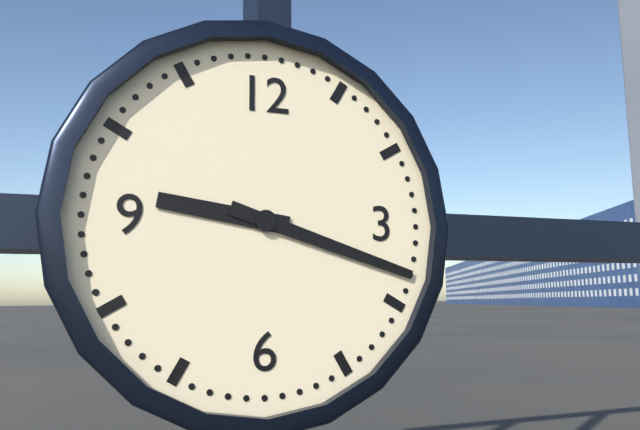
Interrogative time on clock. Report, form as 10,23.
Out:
9,18
